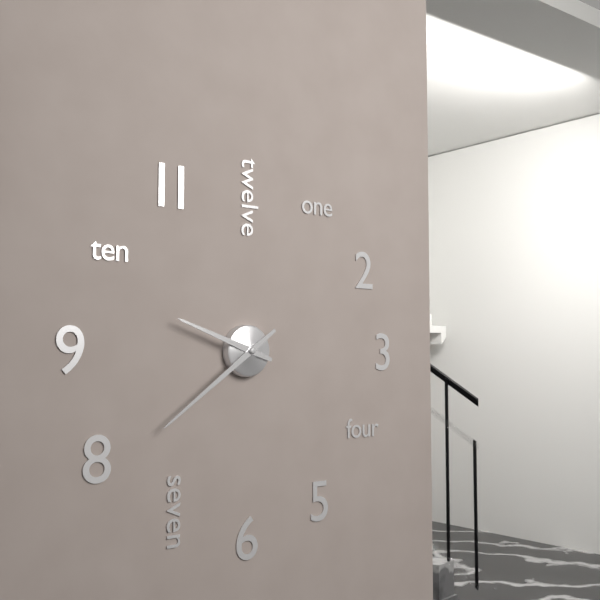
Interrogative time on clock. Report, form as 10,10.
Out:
9,39
